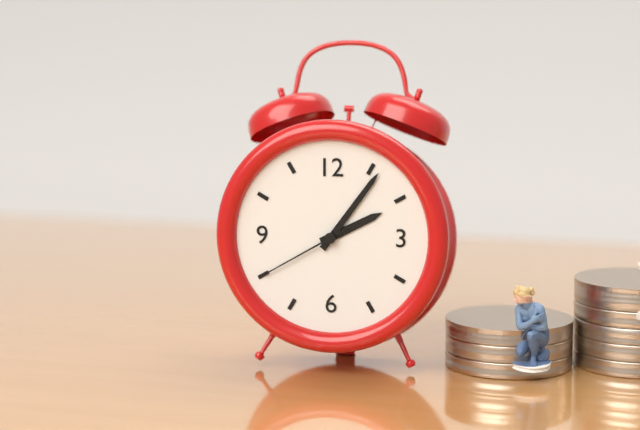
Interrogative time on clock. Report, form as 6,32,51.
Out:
2,06,40
